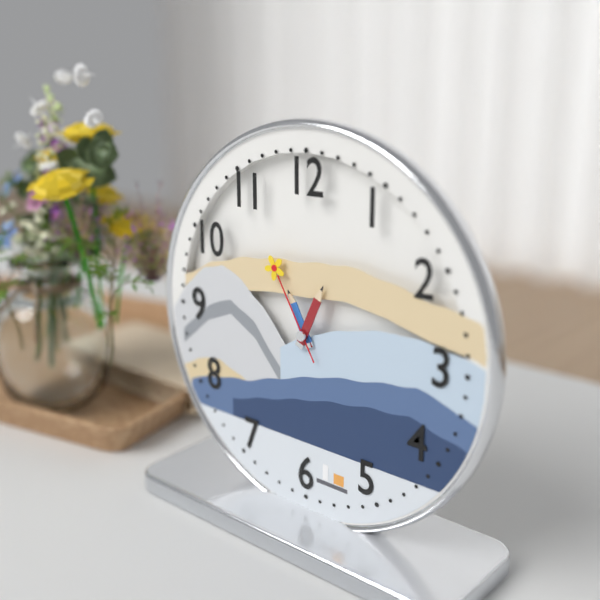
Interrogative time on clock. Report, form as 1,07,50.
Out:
11,04,55
